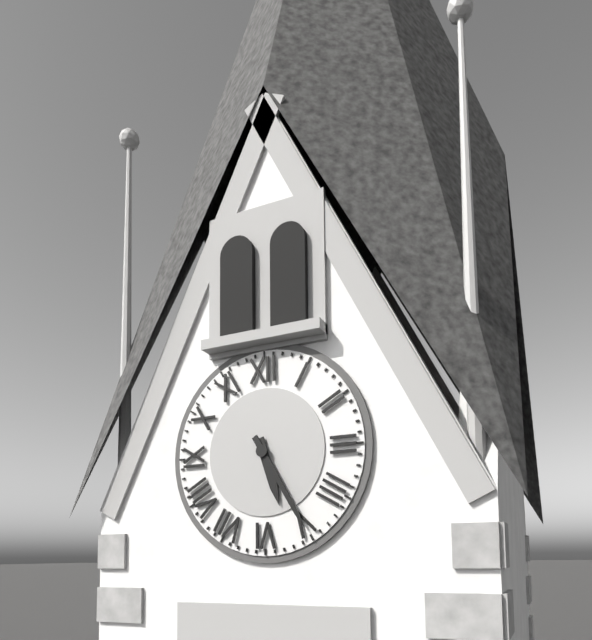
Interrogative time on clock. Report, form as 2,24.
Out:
5,25
